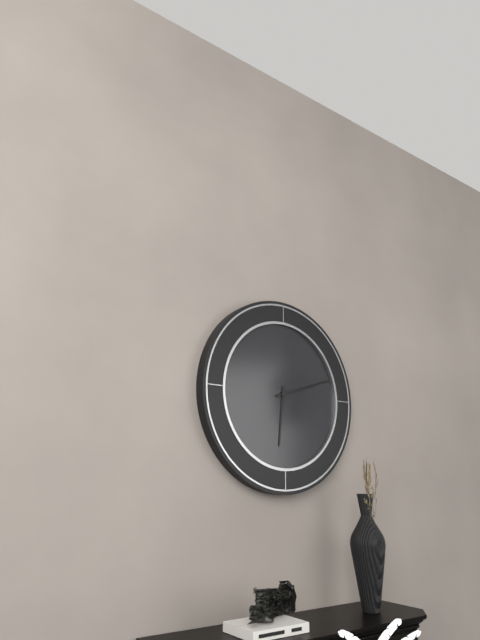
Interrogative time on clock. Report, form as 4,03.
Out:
6,12
